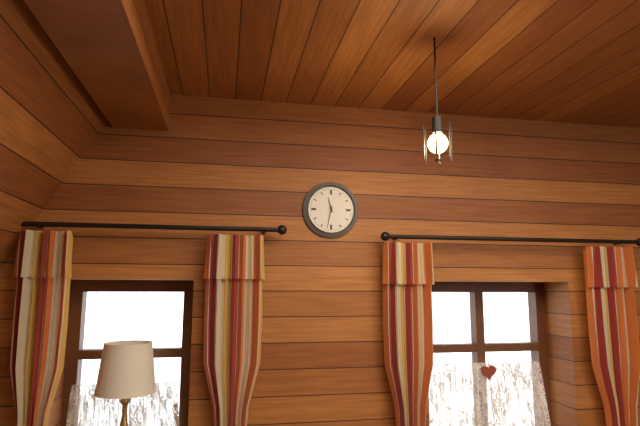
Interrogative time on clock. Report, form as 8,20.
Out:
11,32
